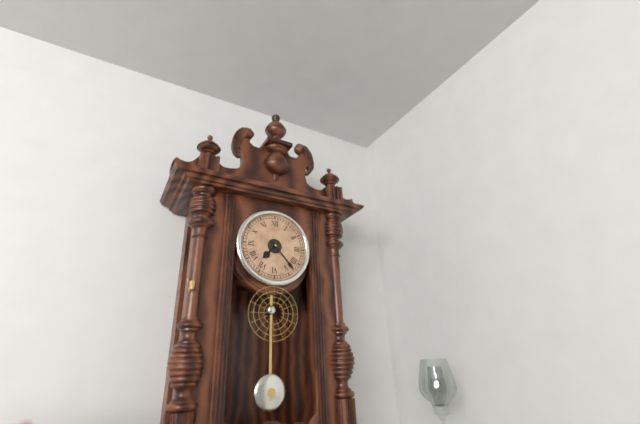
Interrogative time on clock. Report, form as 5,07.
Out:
7,23
